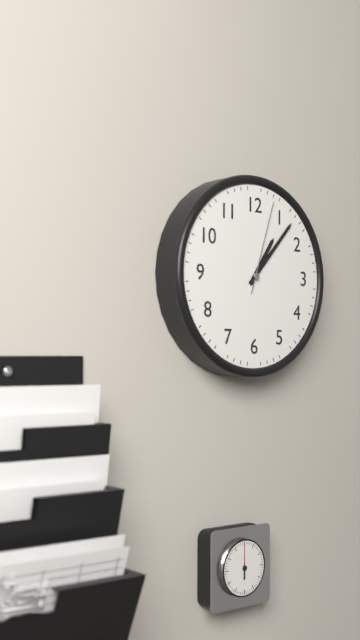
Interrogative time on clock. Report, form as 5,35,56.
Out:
1,07,03
